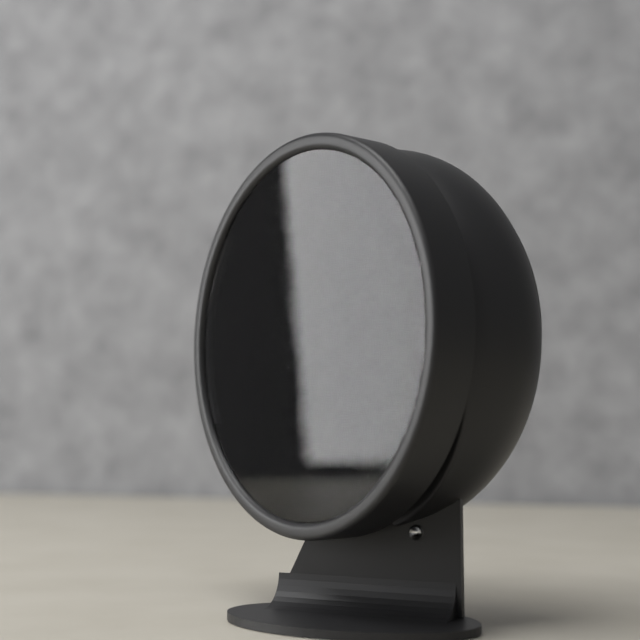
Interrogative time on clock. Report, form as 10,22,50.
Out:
10,41,14
